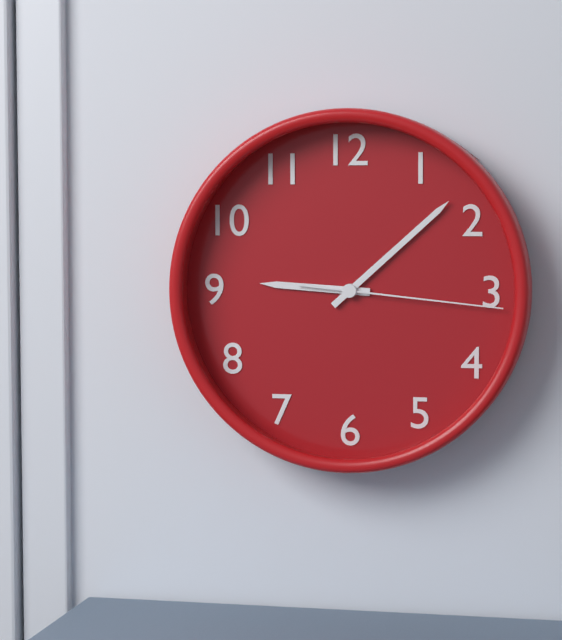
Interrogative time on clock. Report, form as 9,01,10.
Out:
9,08,16
